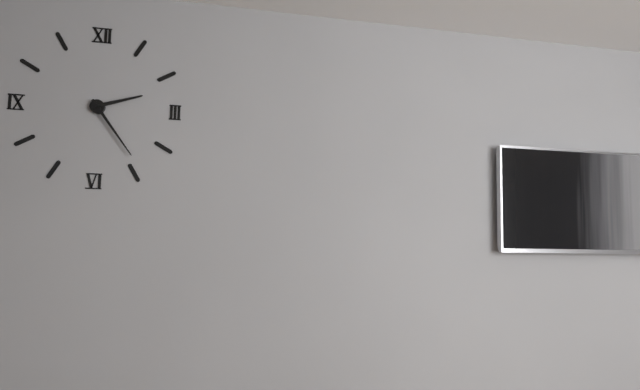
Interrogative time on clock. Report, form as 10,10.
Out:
2,24
